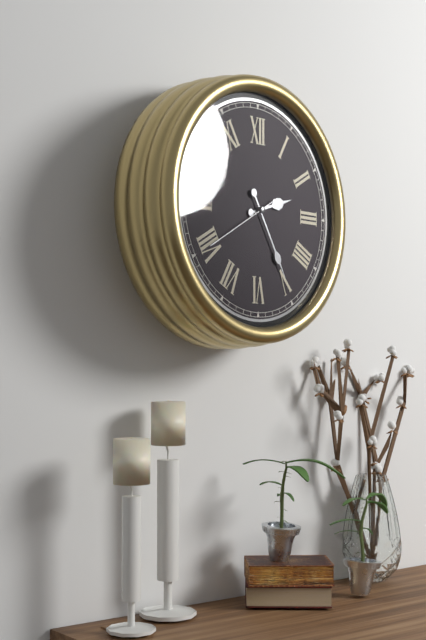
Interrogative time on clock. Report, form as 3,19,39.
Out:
2,25,40
